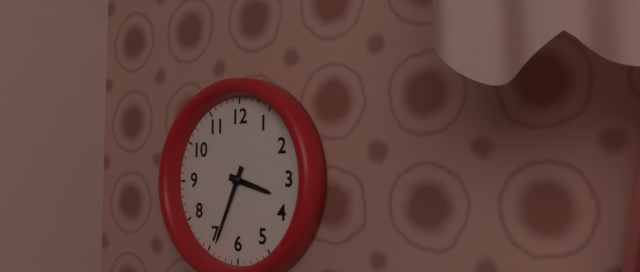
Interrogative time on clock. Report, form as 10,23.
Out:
3,34
